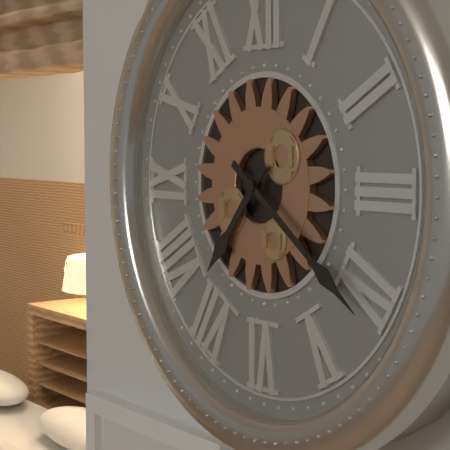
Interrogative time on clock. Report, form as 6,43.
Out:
7,21
